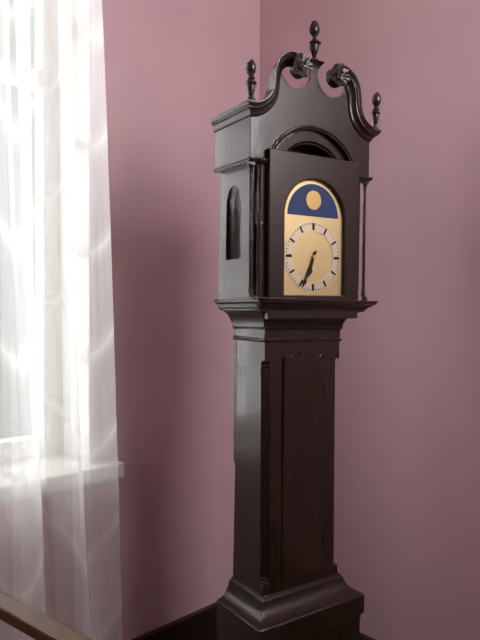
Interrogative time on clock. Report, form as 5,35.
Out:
6,34
